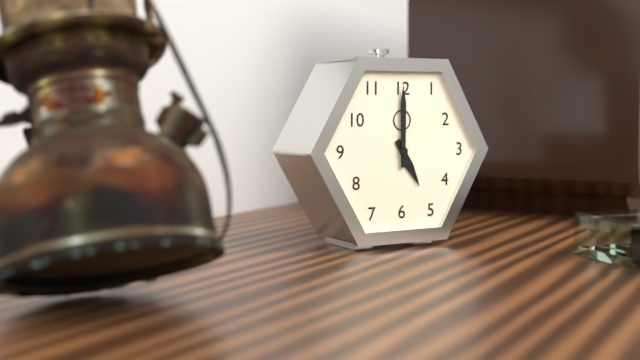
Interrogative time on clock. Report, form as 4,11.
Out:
5,00
